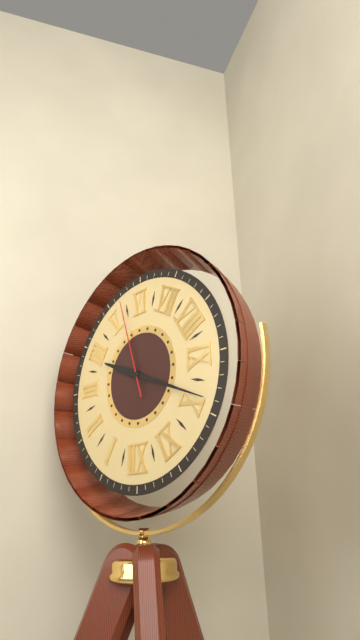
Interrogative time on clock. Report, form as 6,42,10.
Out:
3,49,27
